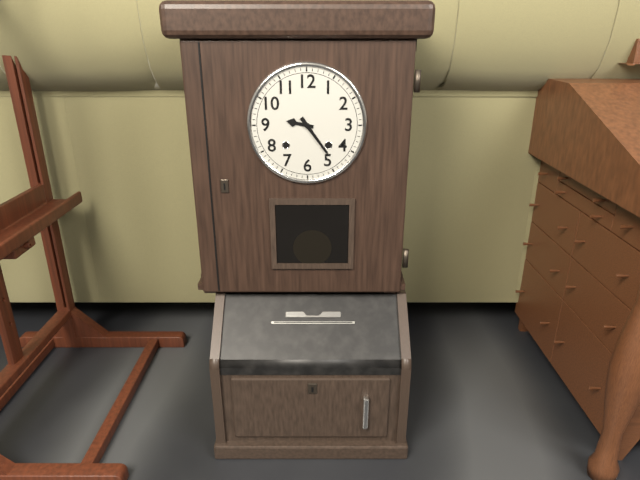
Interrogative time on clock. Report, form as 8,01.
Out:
9,24
